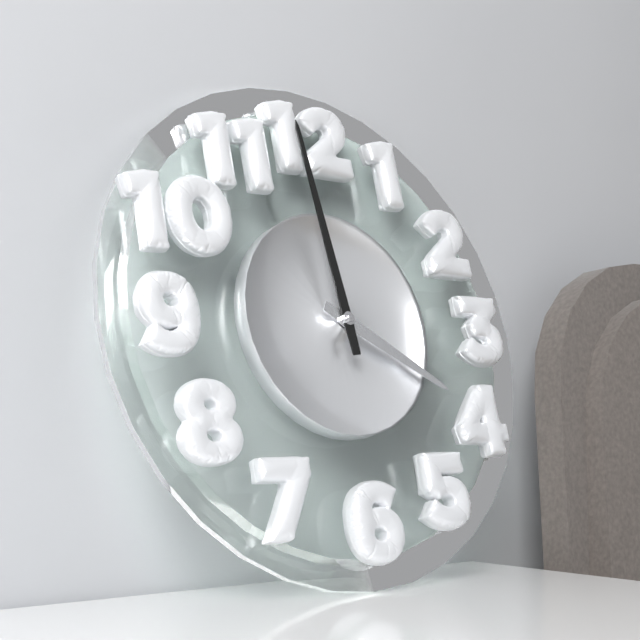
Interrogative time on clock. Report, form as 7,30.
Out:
3,59
